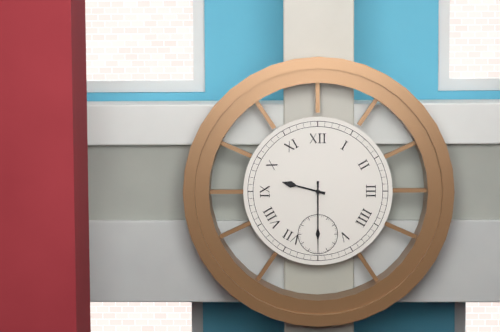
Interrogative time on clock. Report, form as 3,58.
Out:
9,30
